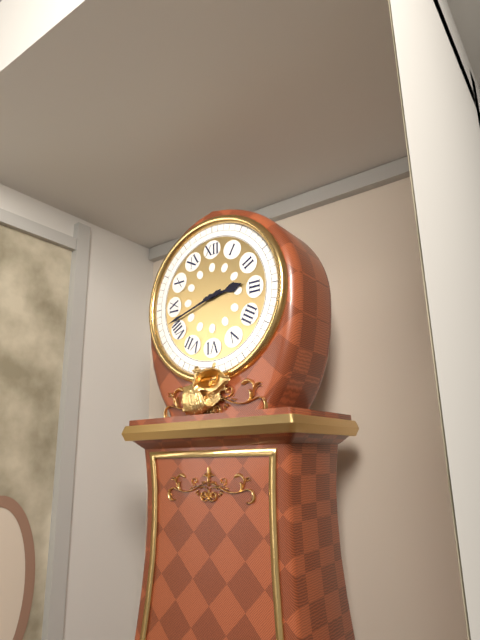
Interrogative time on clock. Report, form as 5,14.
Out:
2,42
